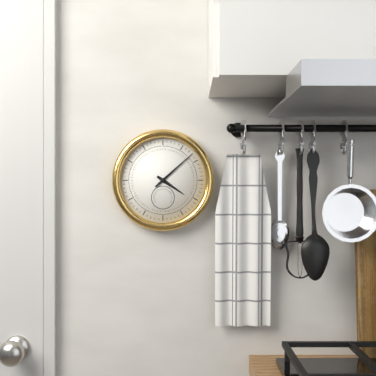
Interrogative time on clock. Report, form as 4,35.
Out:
4,08
